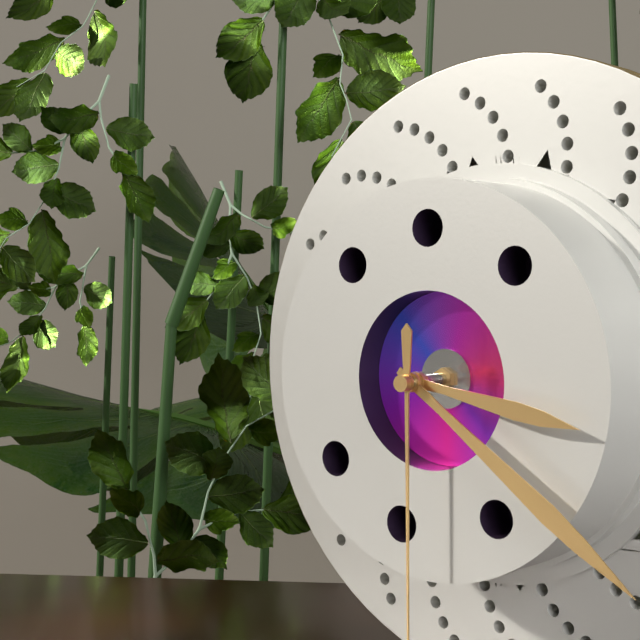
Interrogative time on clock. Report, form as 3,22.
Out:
3,21
